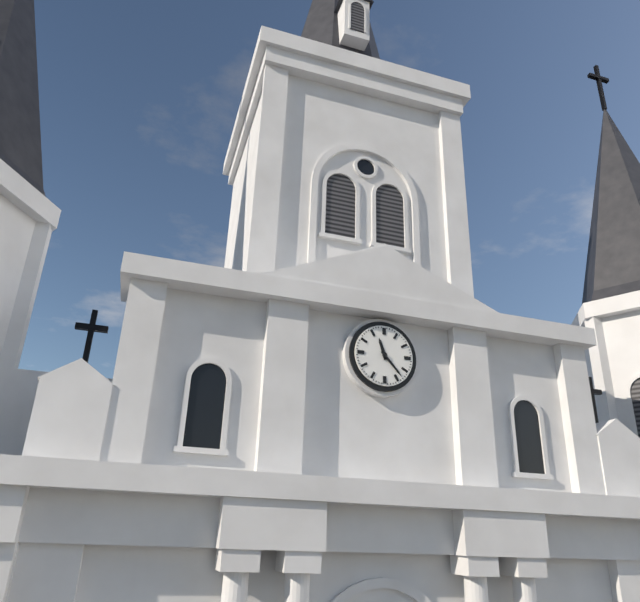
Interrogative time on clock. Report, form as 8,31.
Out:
11,23
